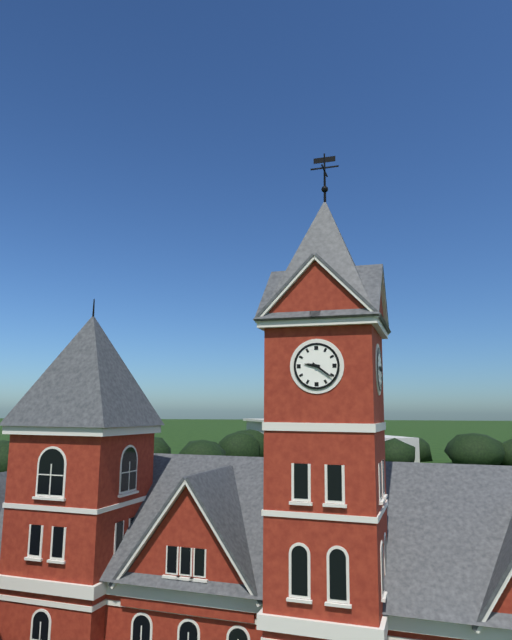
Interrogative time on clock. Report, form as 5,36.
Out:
9,21
